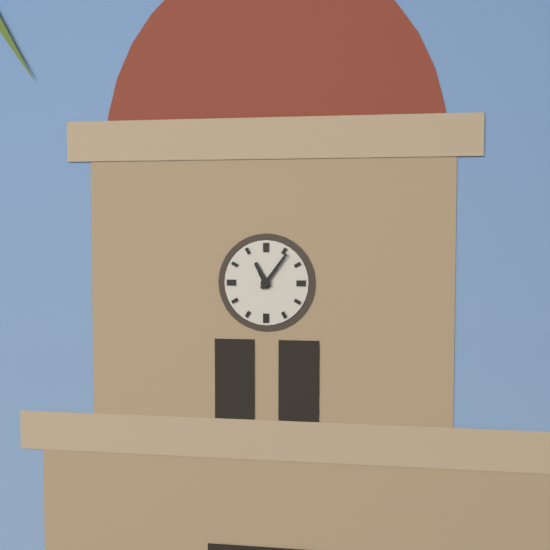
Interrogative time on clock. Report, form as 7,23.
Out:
11,06
